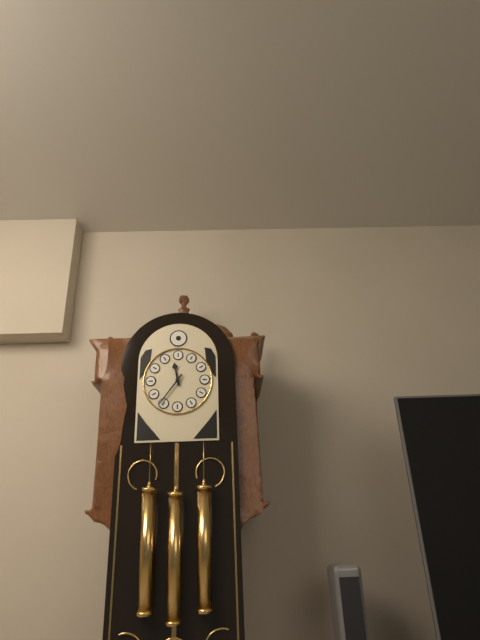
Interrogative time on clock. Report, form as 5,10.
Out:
11,36
